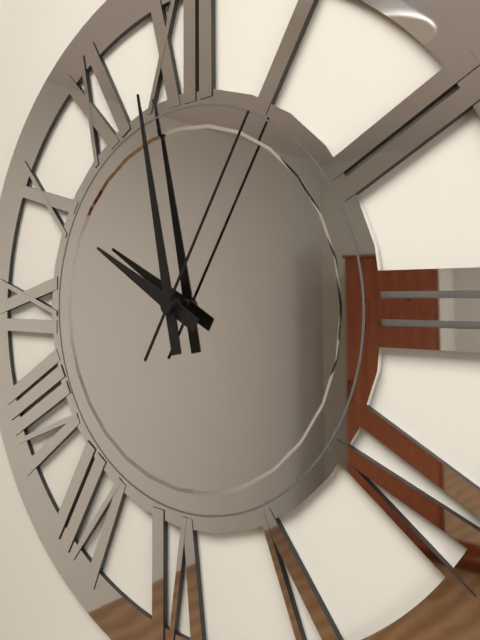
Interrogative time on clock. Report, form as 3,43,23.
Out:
9,58,05
